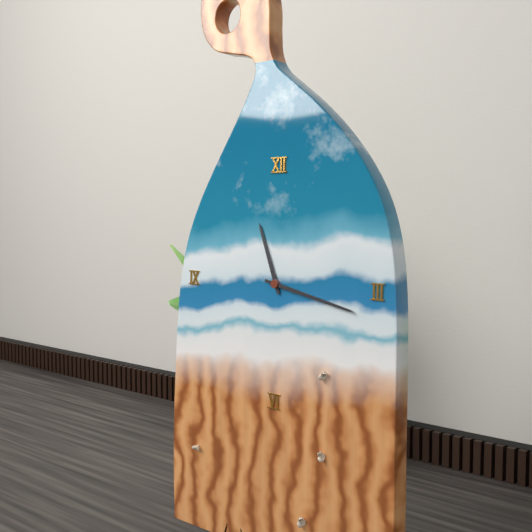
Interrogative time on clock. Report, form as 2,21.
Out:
11,17
